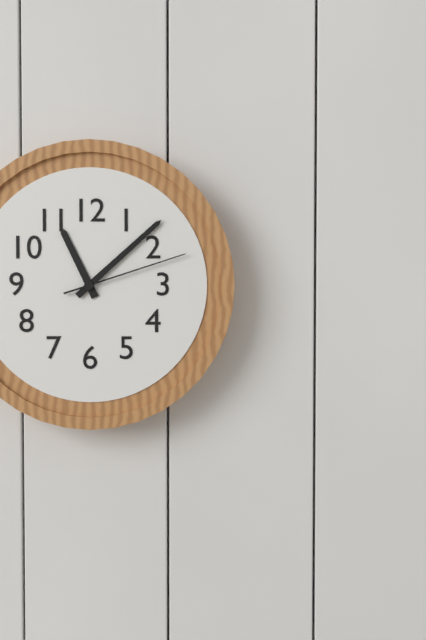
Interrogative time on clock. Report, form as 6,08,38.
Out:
11,08,12
